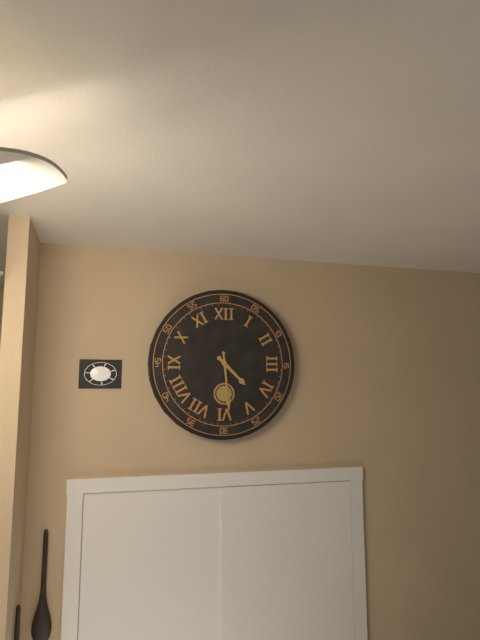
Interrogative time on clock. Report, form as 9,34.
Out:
4,29
